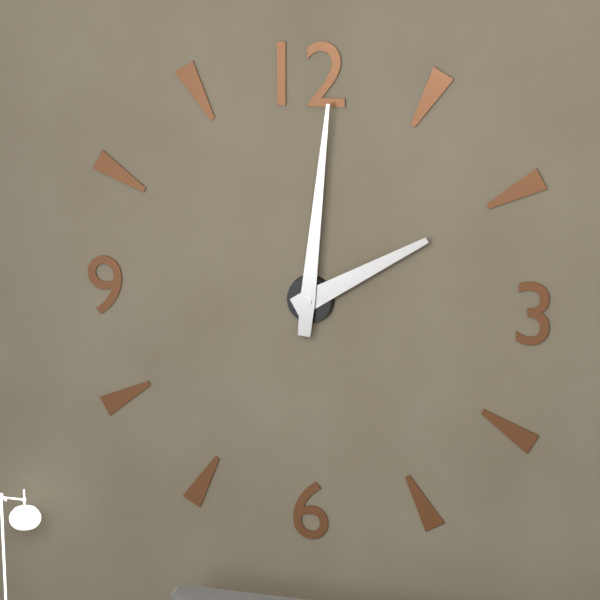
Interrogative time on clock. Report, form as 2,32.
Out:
2,01
